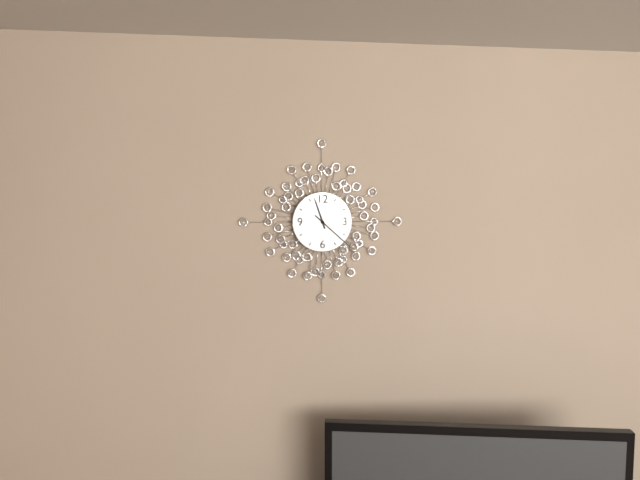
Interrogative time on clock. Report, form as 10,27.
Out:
11,22
